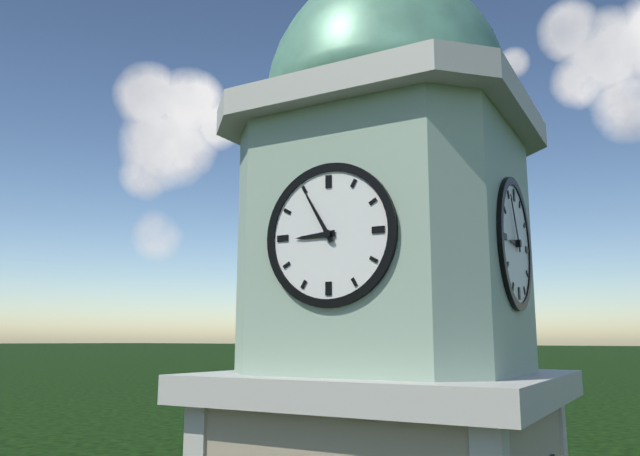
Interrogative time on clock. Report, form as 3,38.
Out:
8,55
